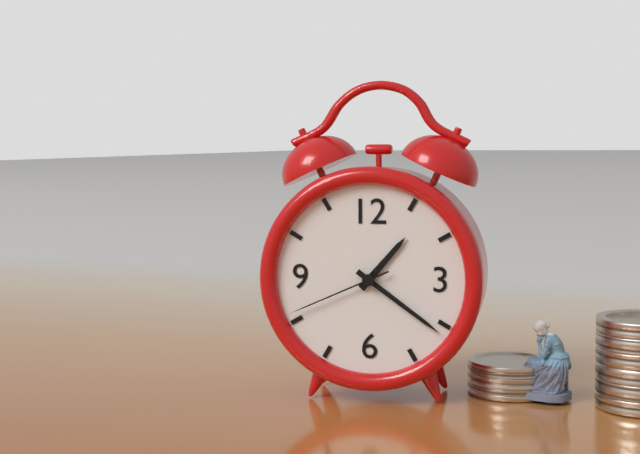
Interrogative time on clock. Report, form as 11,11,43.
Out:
1,21,41
